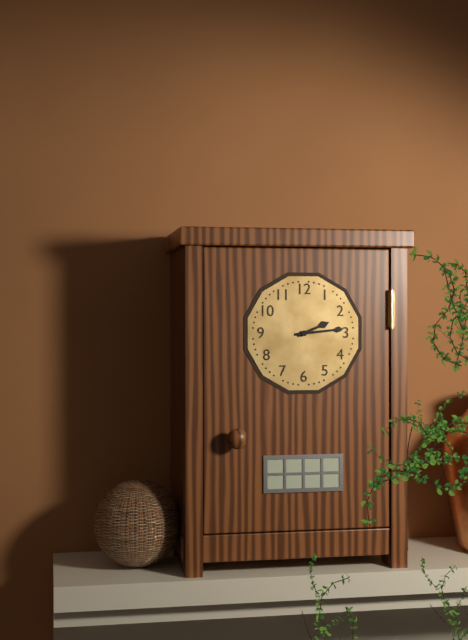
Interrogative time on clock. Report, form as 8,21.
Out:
2,14
